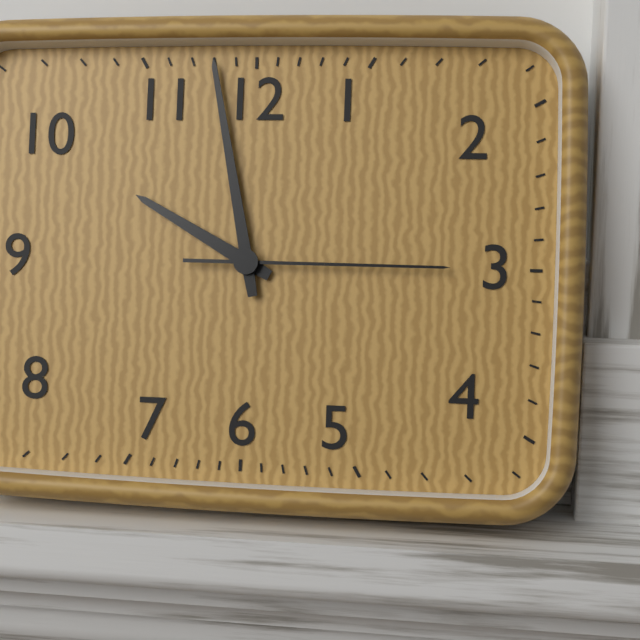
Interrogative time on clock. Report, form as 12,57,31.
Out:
9,58,15
